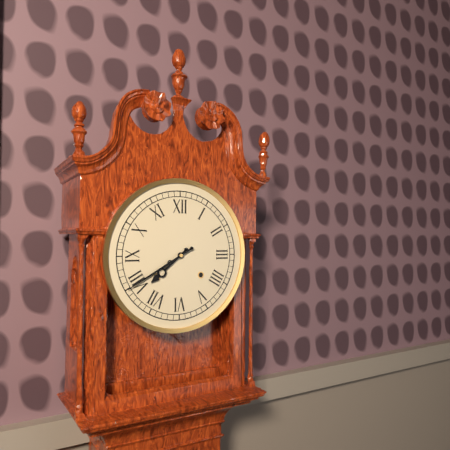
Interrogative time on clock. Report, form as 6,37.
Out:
7,40
